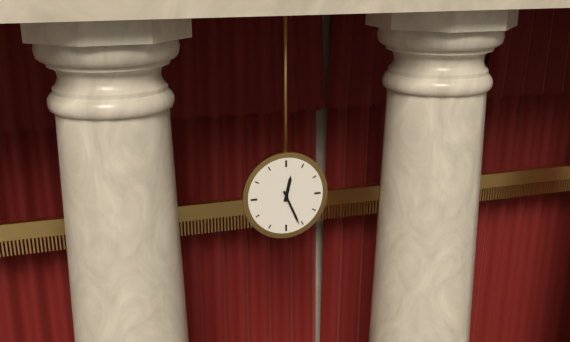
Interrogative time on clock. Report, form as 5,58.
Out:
12,26
